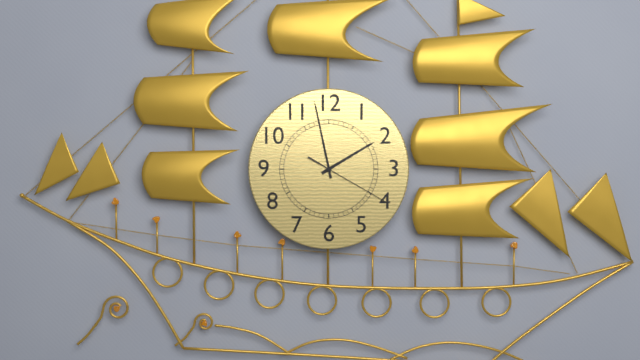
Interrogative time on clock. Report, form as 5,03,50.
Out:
1,58,20
